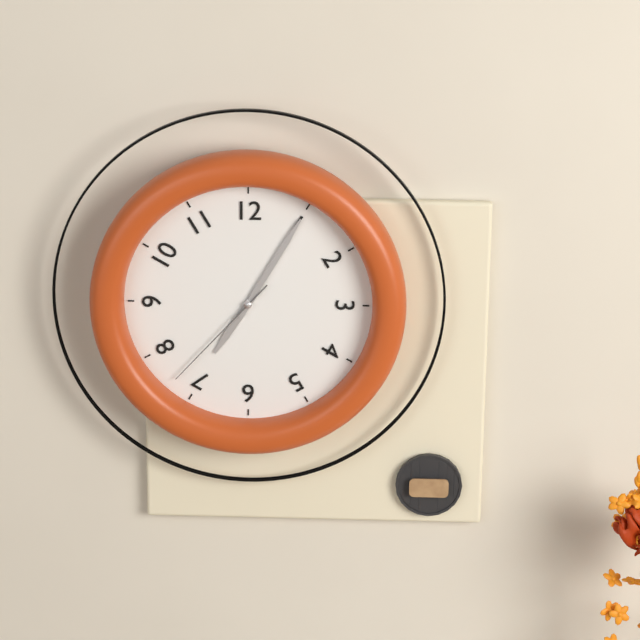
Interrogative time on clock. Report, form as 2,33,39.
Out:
7,05,37
